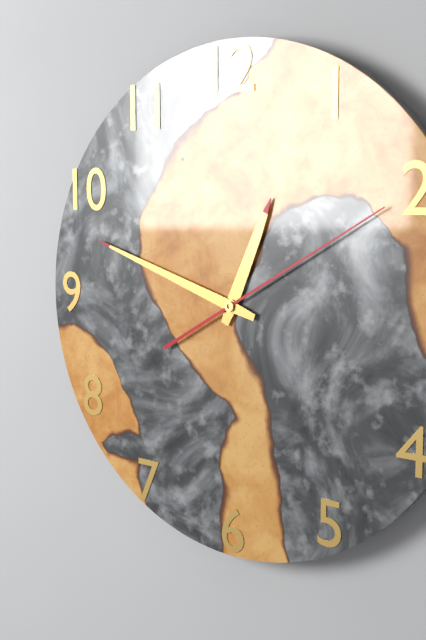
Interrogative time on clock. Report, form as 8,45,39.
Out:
12,48,10
